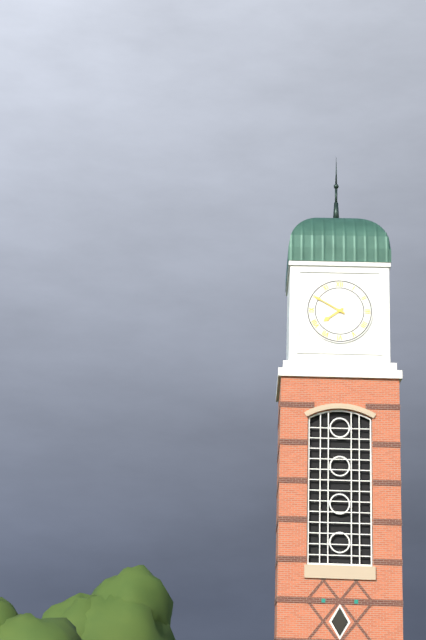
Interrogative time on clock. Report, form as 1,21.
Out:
7,50
